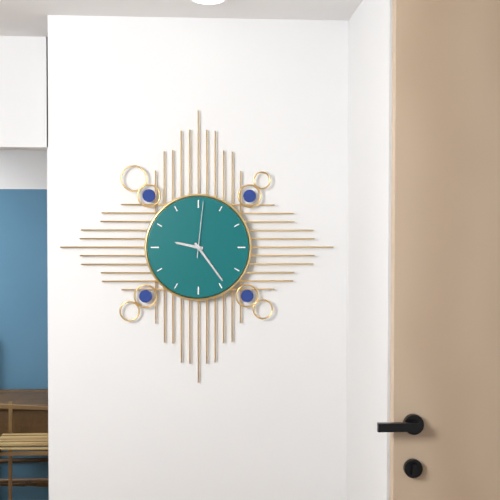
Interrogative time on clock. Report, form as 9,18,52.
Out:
9,24,01
